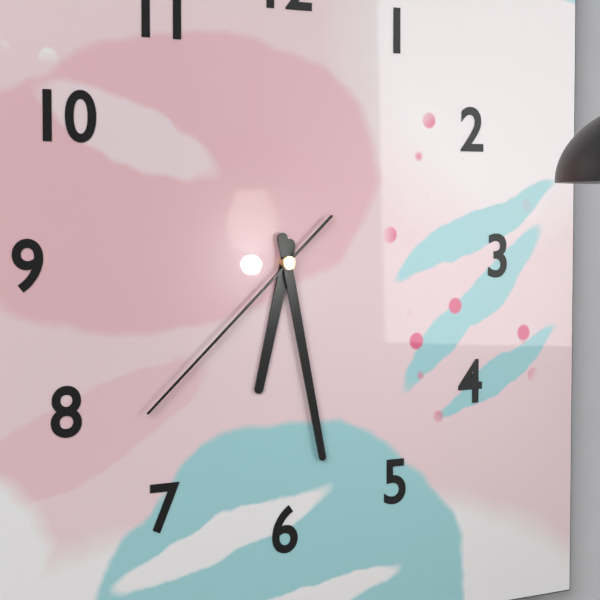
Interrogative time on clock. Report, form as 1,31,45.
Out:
6,28,38
